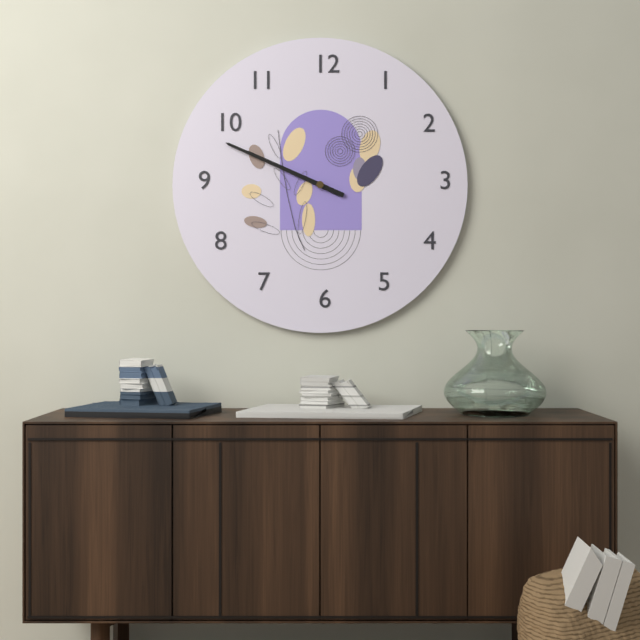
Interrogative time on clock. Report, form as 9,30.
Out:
9,49
